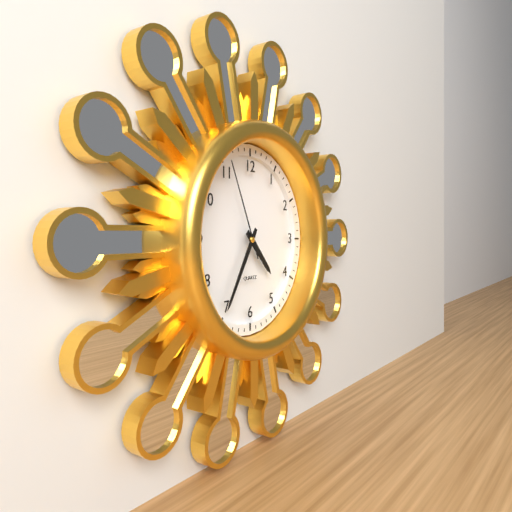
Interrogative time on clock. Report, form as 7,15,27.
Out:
4,35,56
